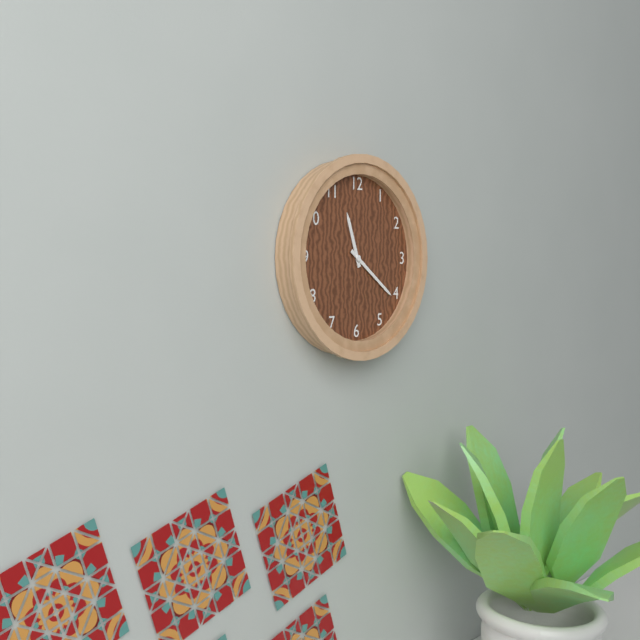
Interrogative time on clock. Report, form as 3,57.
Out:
11,21
